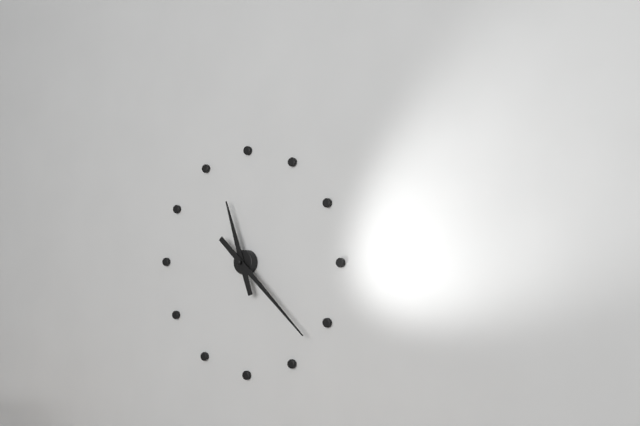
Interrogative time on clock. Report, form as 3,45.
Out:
11,22
